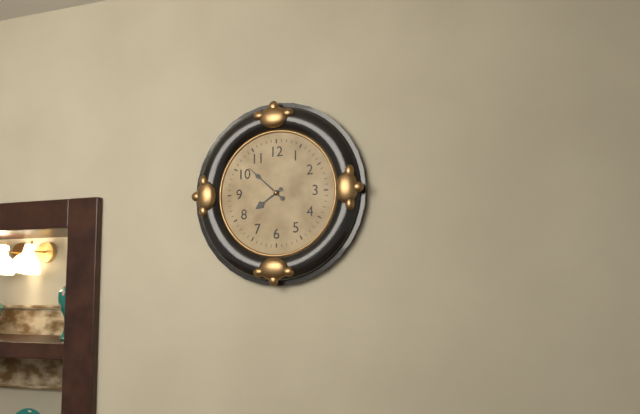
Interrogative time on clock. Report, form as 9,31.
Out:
7,52
